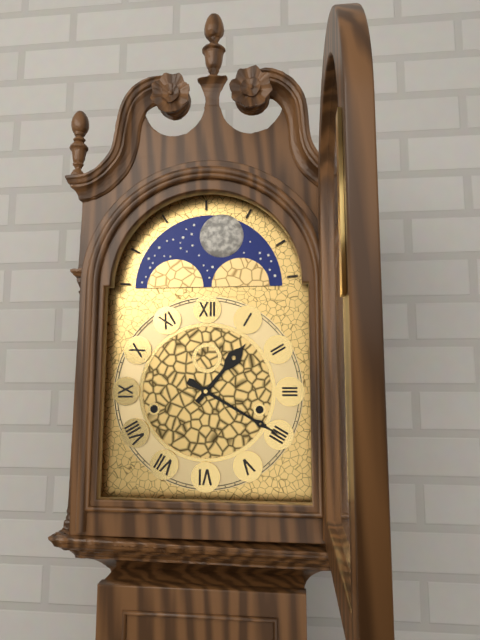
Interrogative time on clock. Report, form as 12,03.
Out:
1,20
